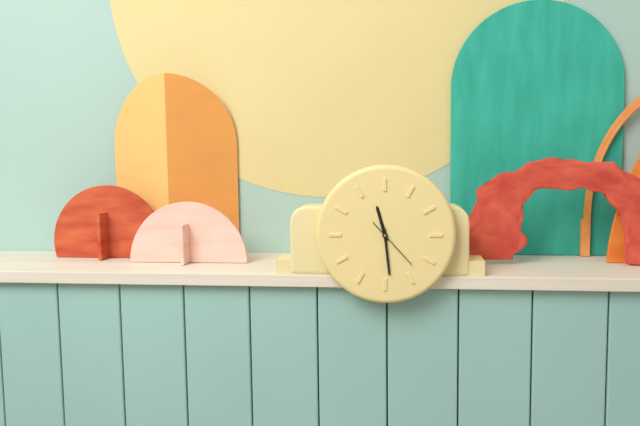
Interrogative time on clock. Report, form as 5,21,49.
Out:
11,29,23
